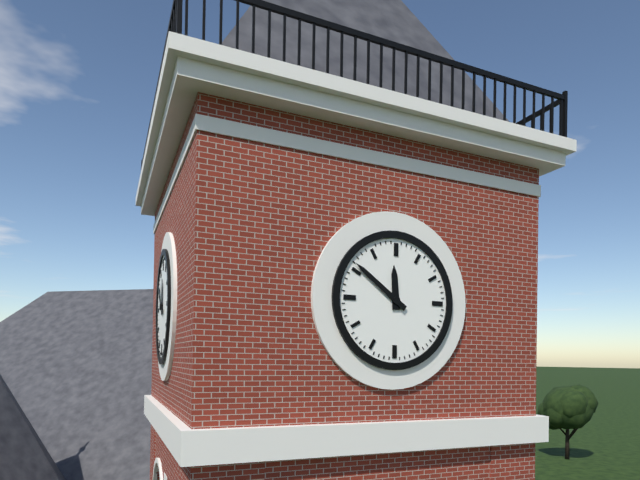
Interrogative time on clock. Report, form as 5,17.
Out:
11,51
